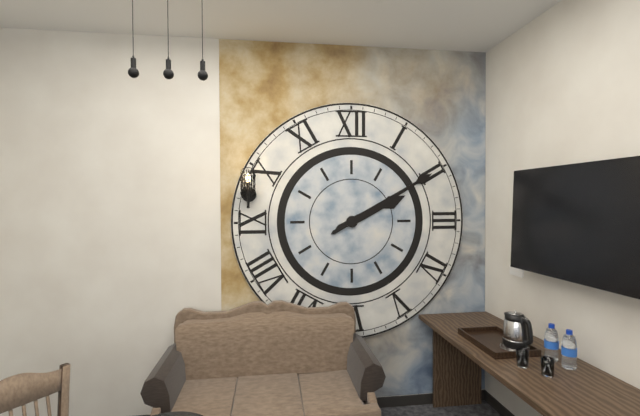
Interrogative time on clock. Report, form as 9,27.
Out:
2,10
